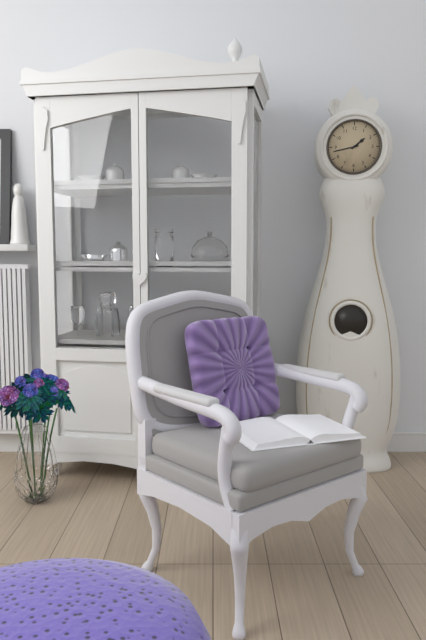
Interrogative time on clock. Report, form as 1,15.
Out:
1,43
